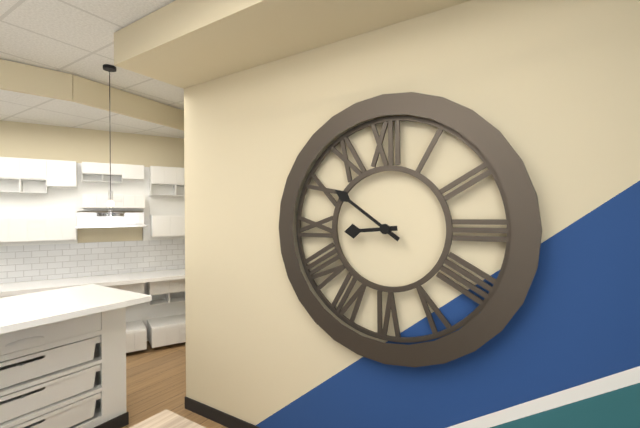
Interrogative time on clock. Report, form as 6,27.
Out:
8,51
